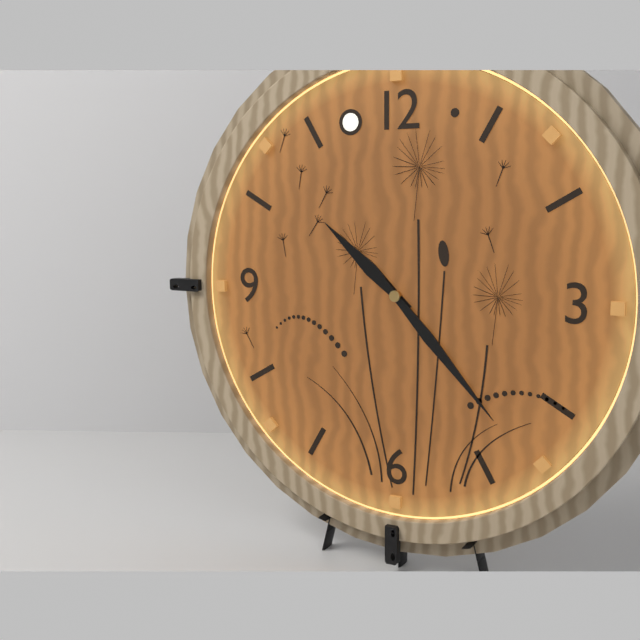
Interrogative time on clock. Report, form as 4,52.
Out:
10,23
